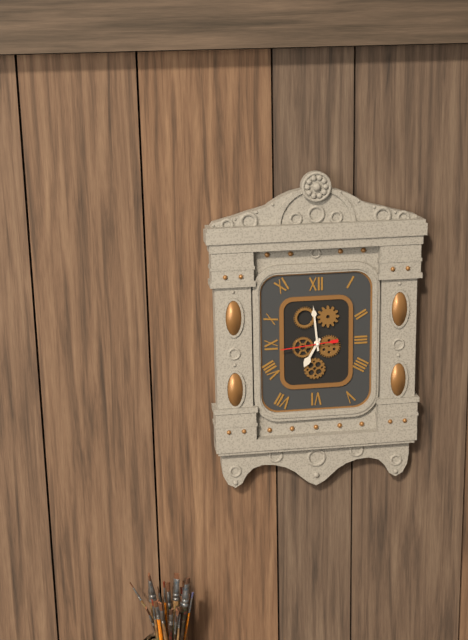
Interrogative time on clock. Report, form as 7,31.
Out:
6,59
